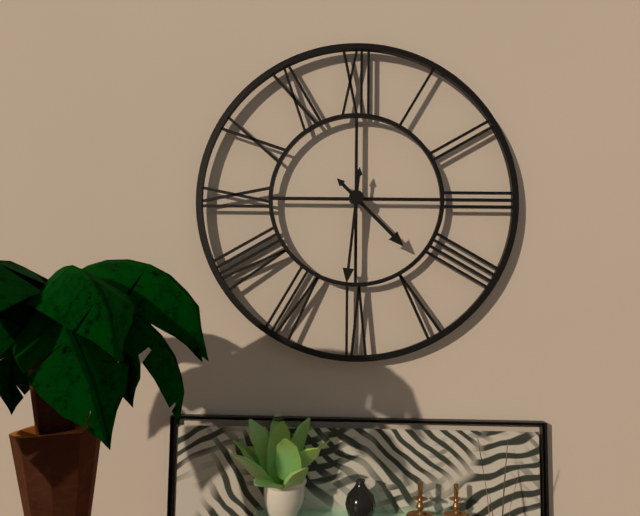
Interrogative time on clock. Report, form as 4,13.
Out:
4,31
